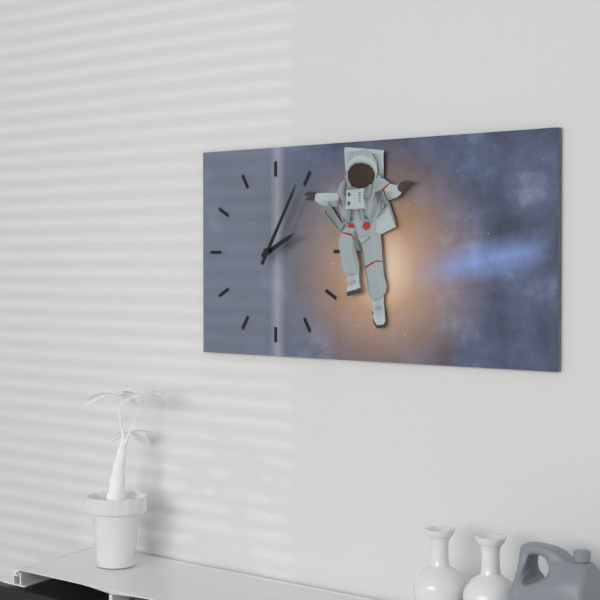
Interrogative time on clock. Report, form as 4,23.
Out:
2,05
